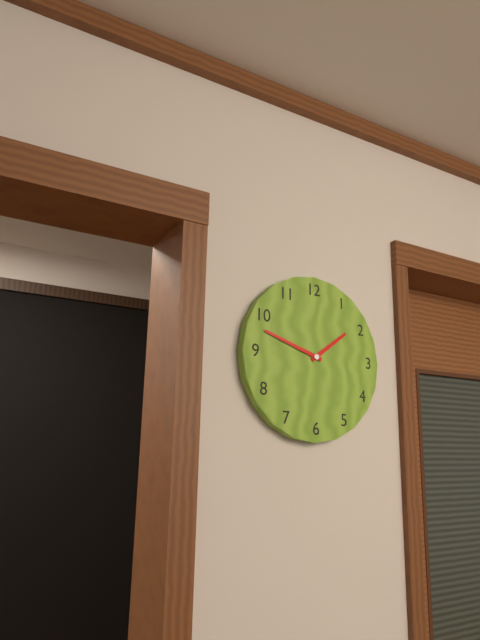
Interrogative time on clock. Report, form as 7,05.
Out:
1,48
